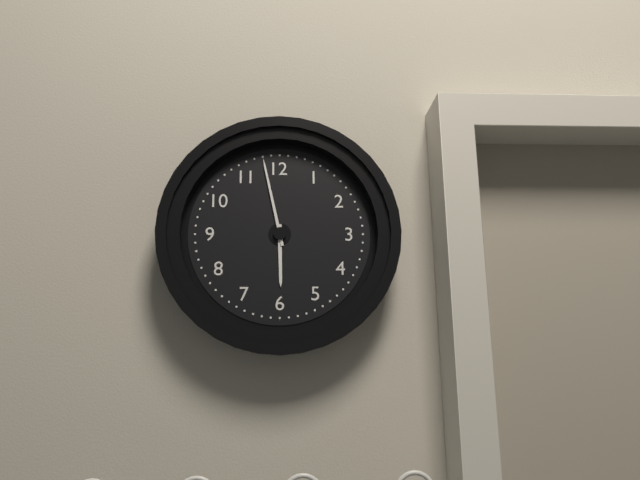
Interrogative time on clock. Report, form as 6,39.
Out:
5,58
